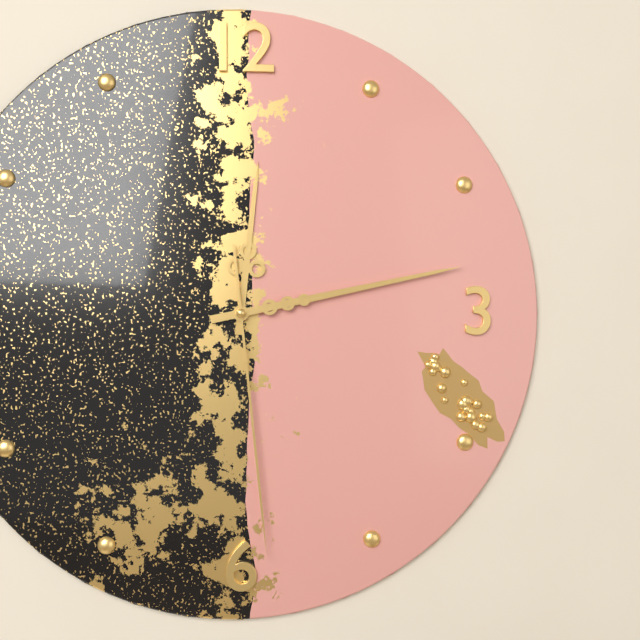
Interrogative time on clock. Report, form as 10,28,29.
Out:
12,13,29
